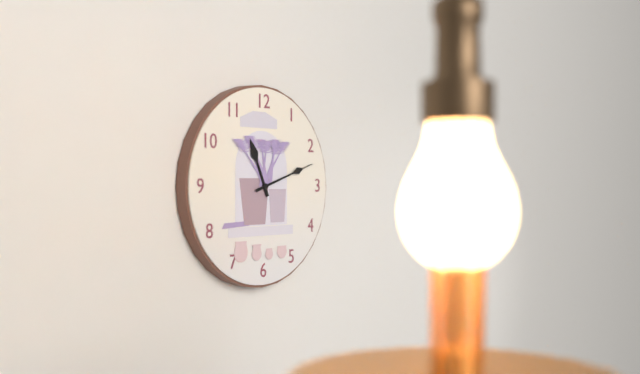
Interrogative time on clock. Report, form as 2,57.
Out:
11,12
